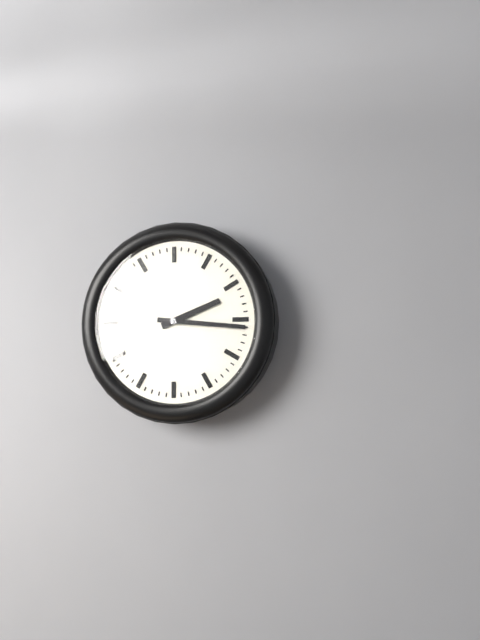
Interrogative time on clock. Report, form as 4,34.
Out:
2,16
